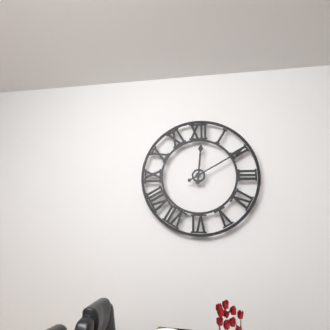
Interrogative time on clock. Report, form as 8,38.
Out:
12,10
